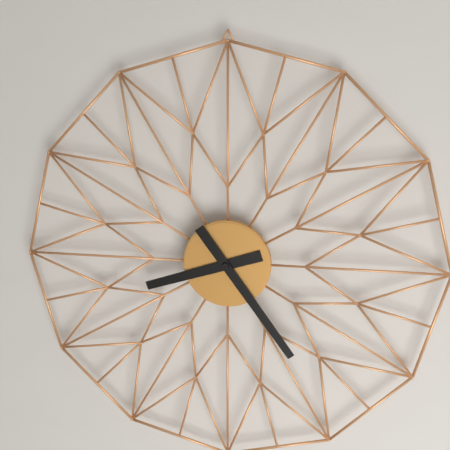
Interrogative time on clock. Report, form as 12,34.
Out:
8,24
